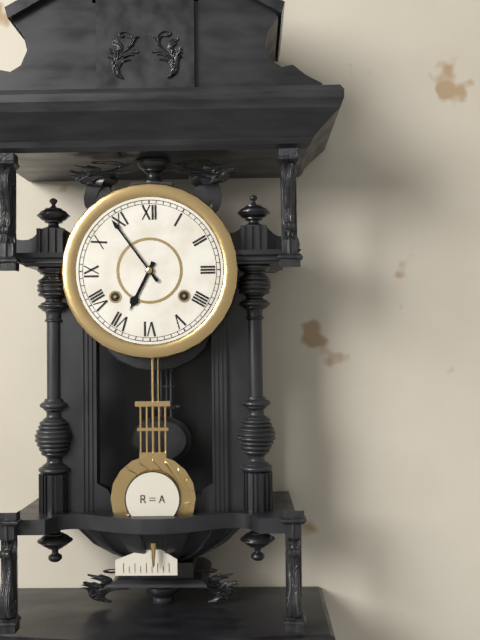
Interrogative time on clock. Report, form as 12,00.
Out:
6,54
